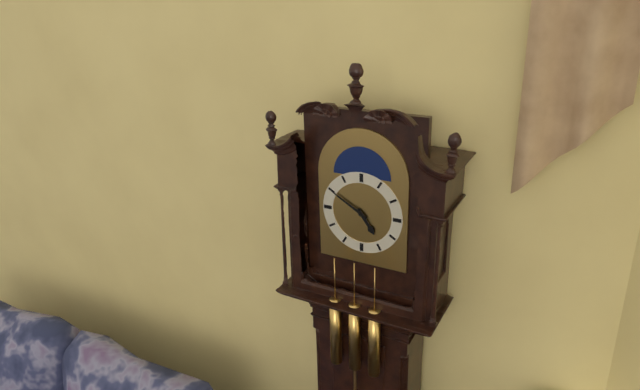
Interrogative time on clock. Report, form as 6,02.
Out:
4,50
